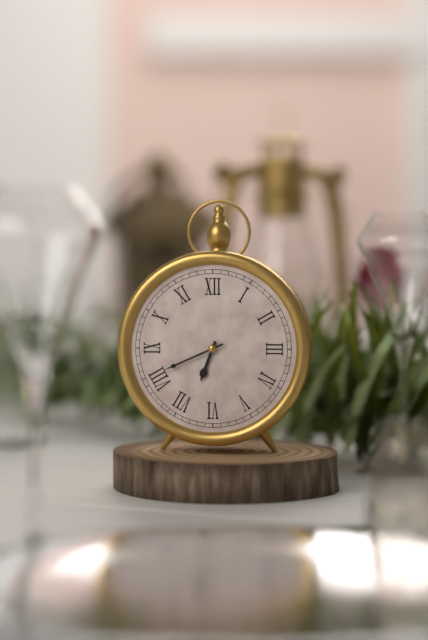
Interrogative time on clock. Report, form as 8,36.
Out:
6,41
